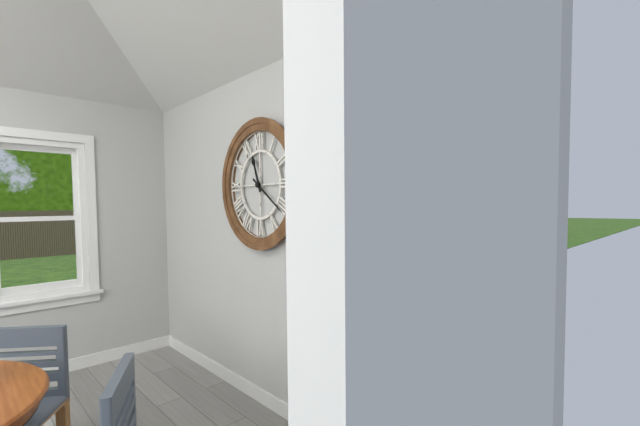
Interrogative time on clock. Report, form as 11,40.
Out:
11,21
